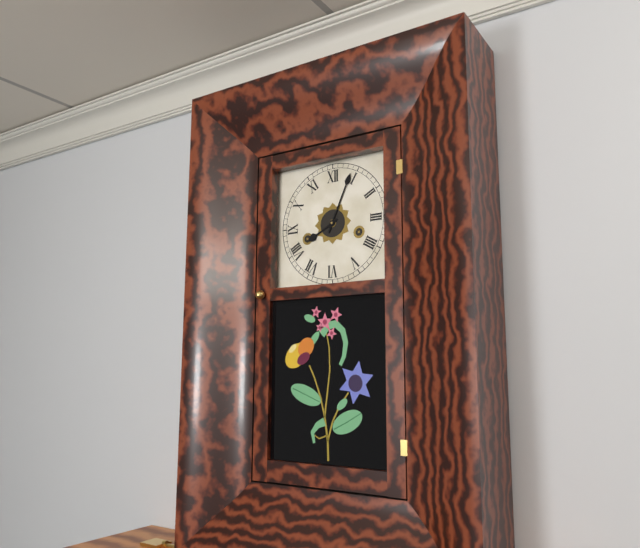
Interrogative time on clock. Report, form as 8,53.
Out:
8,04
